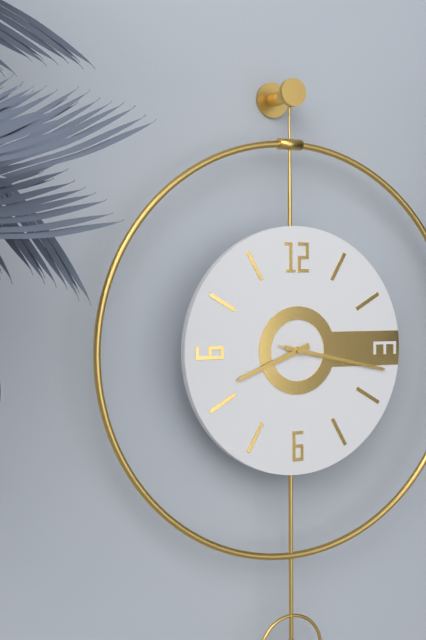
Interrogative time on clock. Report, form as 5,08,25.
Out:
8,17,17
